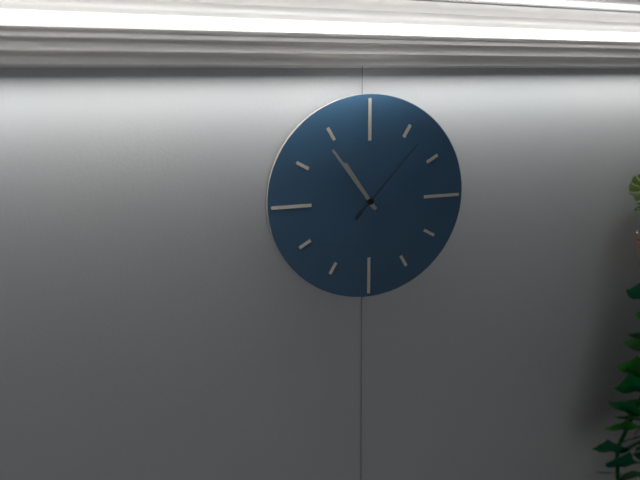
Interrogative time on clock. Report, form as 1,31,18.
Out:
10,54,07
